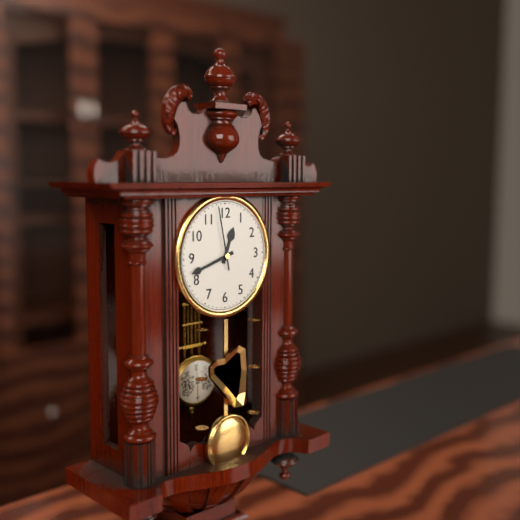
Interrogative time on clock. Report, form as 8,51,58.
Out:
12,42,58
